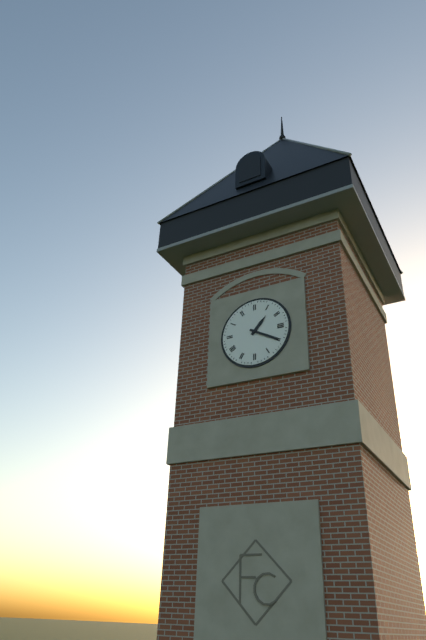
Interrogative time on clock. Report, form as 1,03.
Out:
1,20
